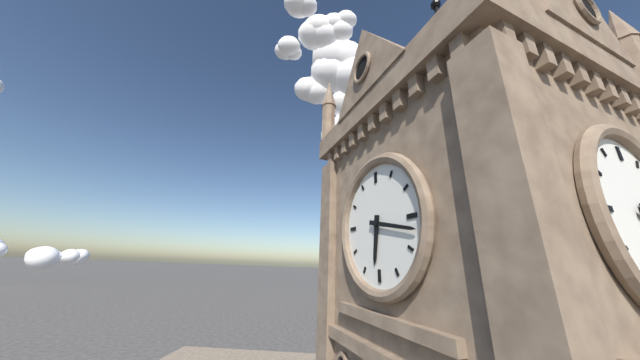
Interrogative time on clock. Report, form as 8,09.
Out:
6,17
